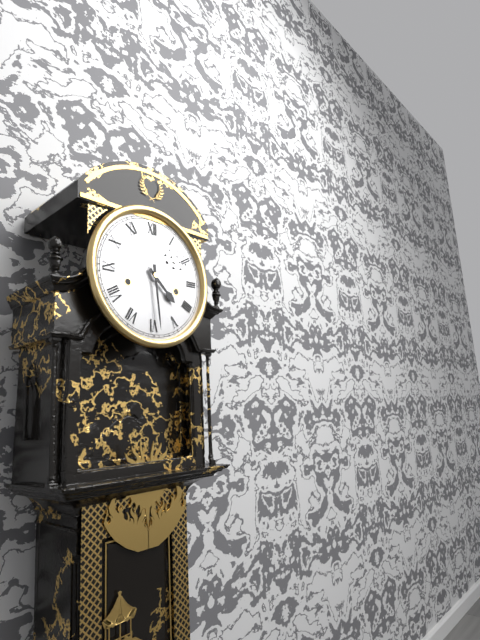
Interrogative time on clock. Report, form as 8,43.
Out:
4,29
